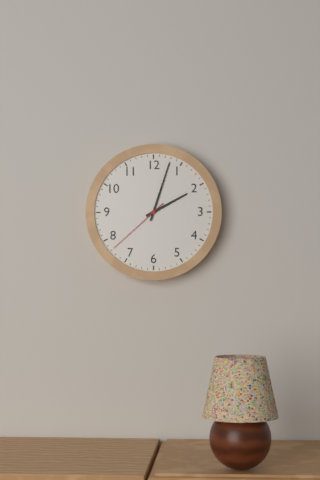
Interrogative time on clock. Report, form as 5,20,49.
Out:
2,03,38
